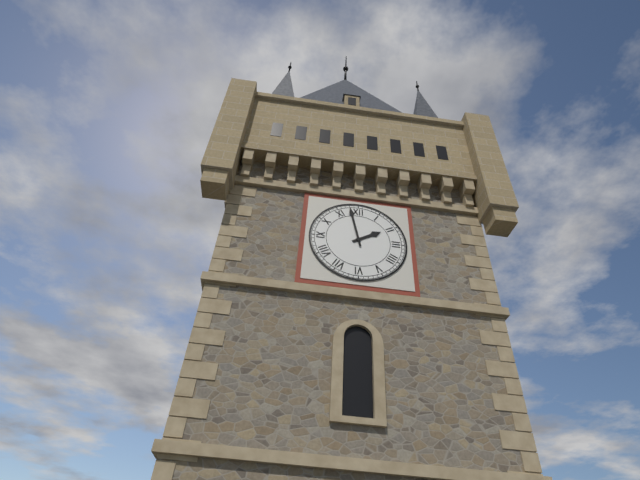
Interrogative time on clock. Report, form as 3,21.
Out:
1,58
